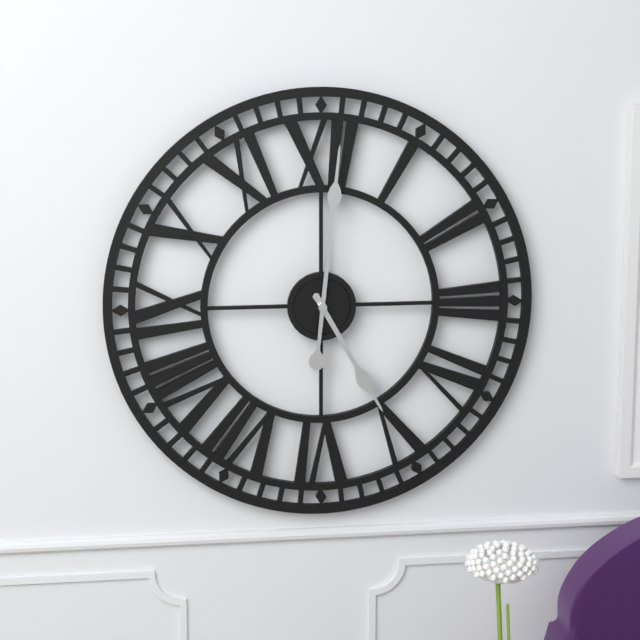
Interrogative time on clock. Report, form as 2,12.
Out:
5,01
